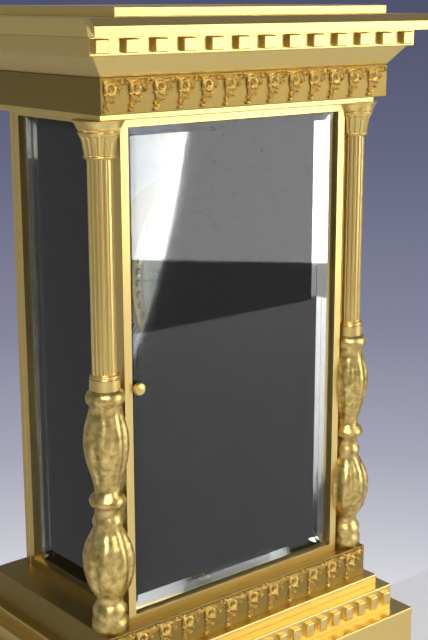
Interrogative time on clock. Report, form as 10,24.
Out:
3,48
